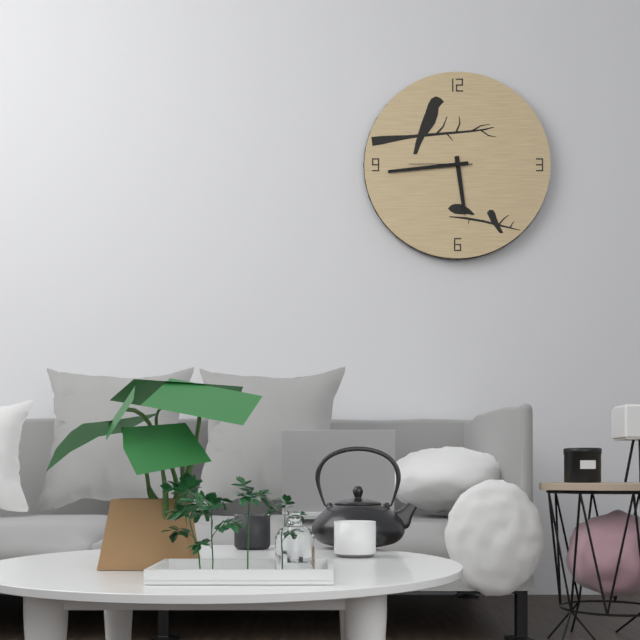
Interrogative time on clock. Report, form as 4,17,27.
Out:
5,44,45
